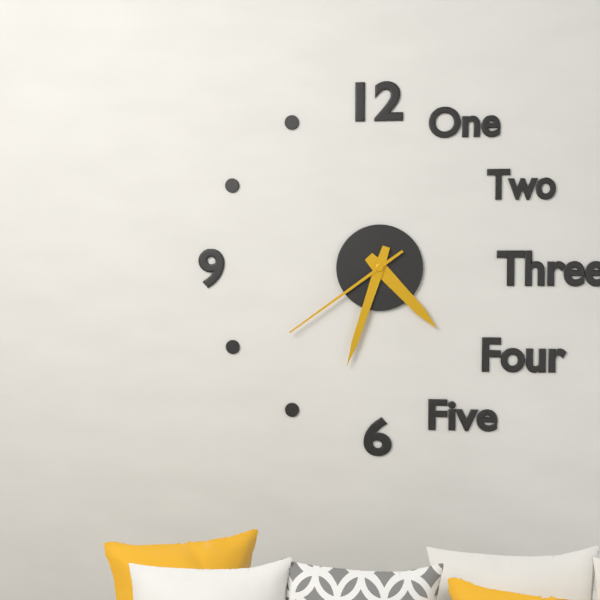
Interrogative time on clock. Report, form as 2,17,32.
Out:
4,33,39
